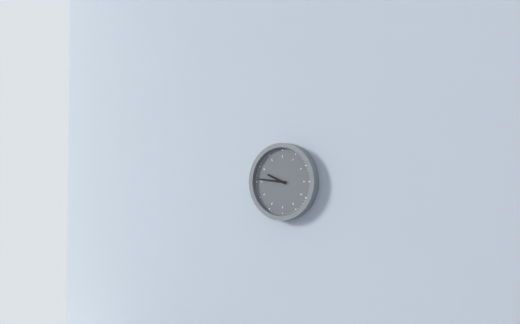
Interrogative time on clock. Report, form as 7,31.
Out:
9,46
